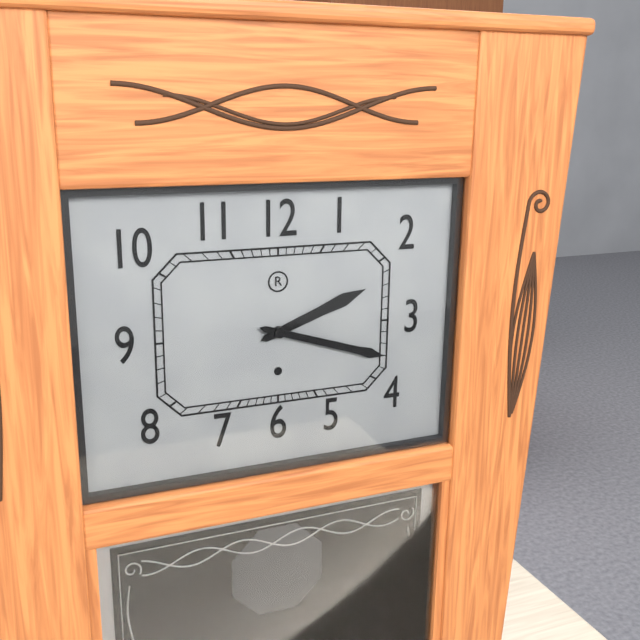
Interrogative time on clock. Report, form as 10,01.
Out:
2,18
